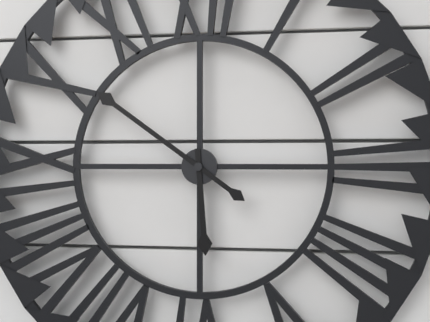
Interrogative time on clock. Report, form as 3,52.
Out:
5,51
